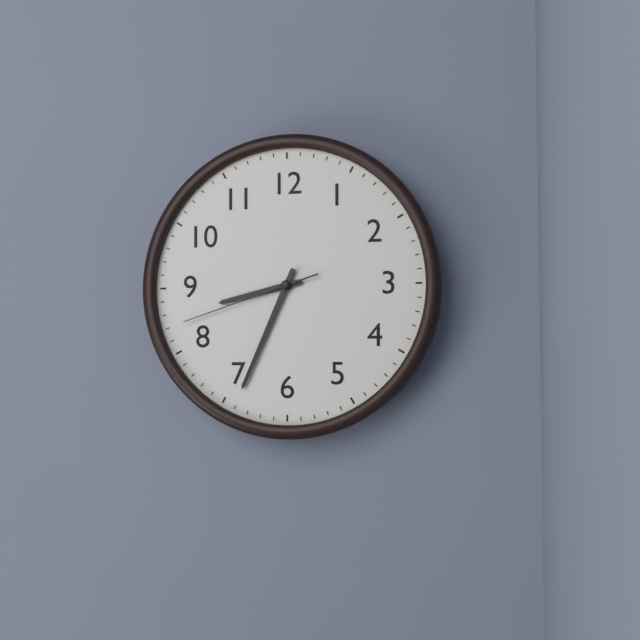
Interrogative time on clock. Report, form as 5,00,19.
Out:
8,34,42
